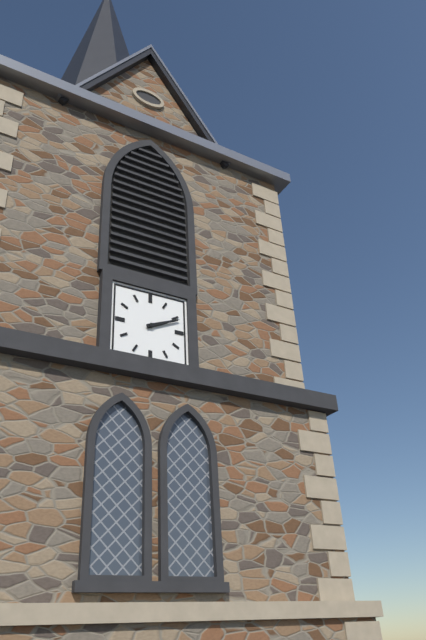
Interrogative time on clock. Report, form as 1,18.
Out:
2,11
